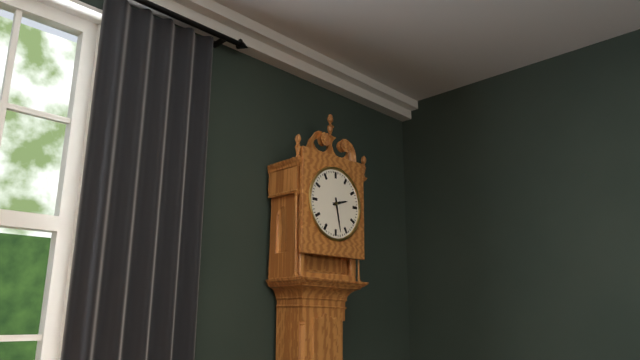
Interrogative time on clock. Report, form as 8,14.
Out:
2,28
